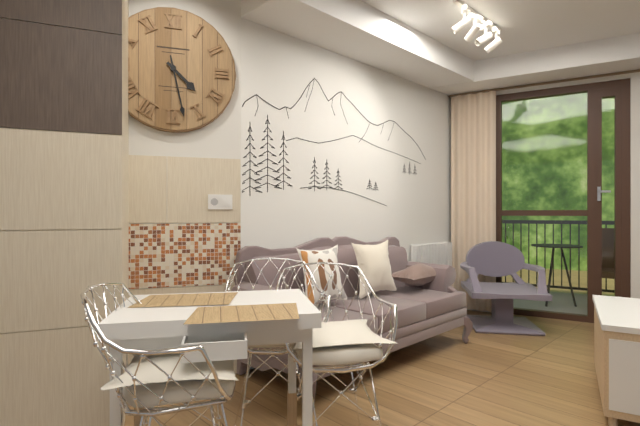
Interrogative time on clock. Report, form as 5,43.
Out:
4,28
